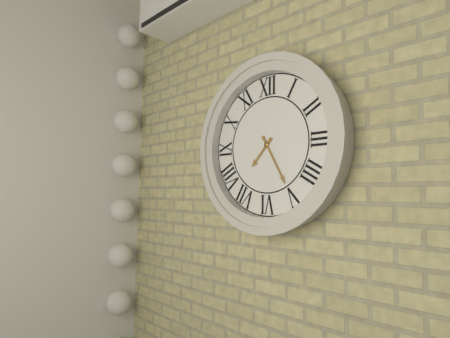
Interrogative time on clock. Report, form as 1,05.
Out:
7,25
